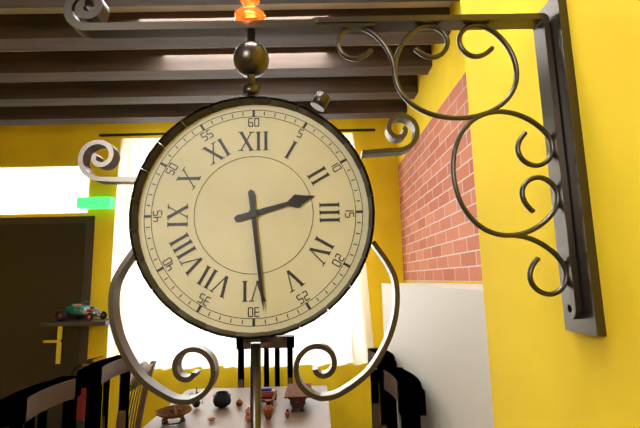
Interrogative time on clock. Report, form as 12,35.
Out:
2,29
